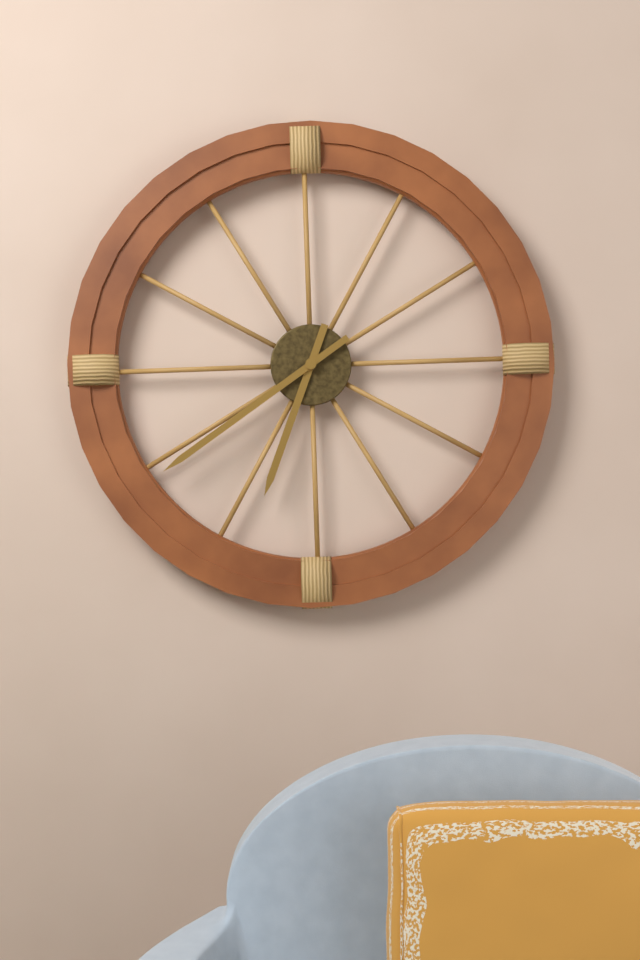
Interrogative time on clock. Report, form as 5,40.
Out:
6,39
